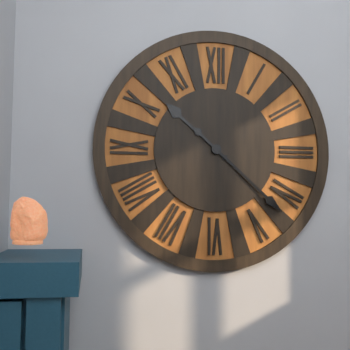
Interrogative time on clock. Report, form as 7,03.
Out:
10,22
